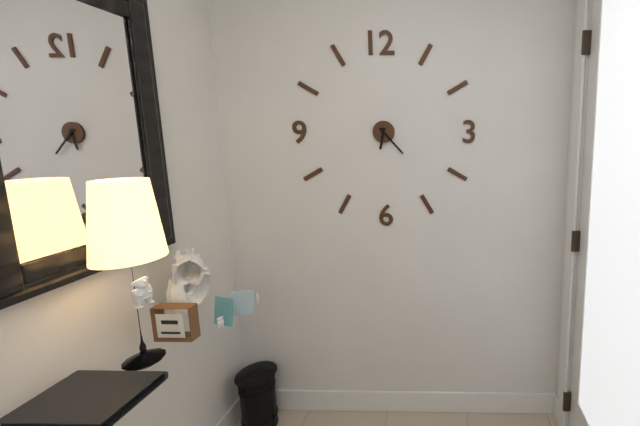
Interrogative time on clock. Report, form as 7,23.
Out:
6,23
